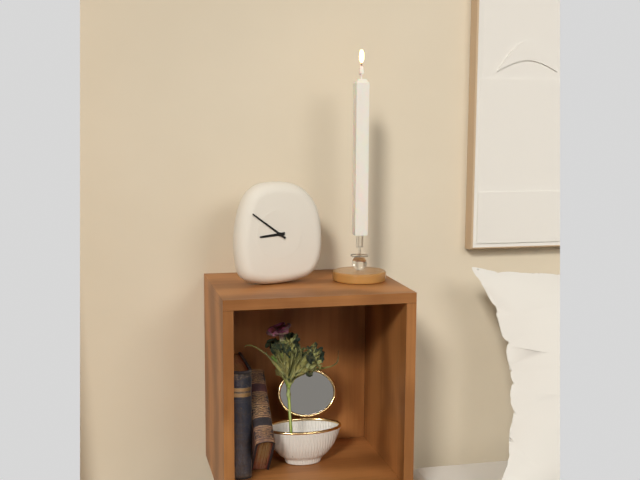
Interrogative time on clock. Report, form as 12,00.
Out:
8,51
